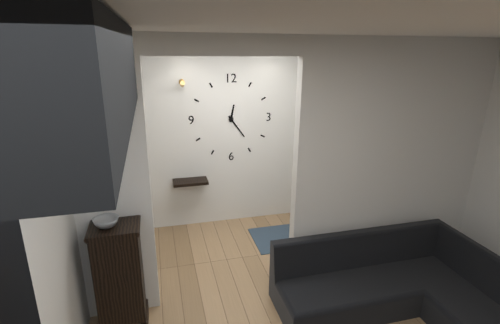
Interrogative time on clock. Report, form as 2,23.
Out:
12,24
